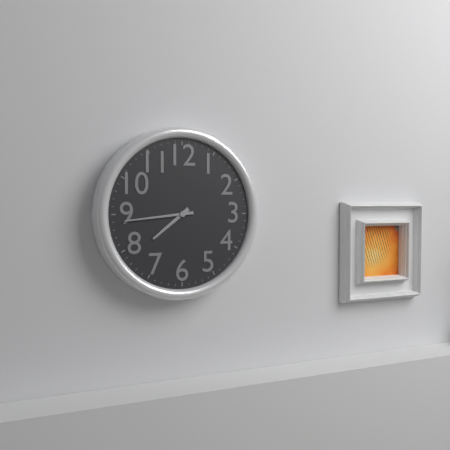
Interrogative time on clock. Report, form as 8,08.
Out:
7,44
